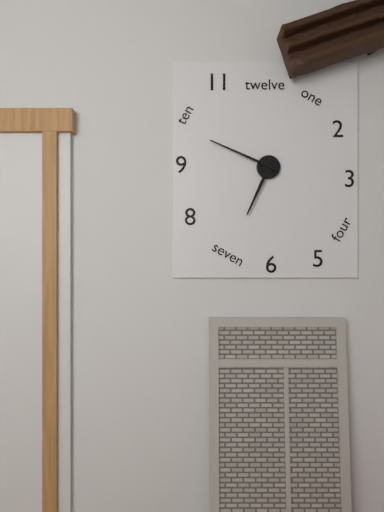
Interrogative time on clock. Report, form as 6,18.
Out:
6,49
